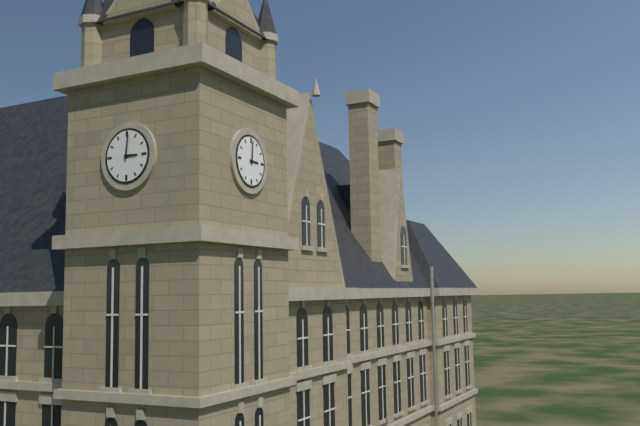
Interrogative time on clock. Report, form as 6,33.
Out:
3,01
